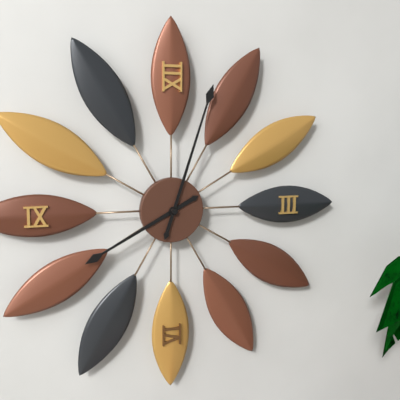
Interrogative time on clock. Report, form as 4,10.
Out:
8,03
